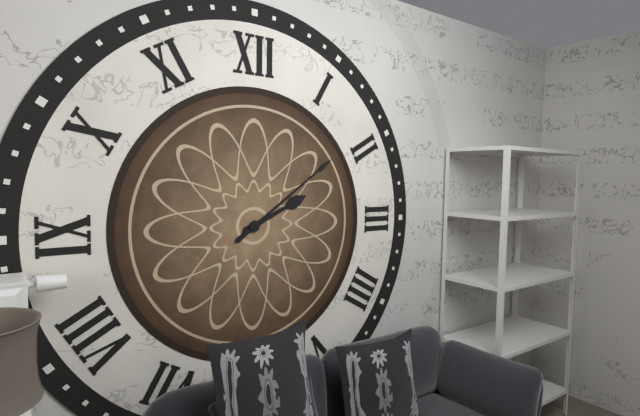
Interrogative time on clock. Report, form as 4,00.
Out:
2,09
